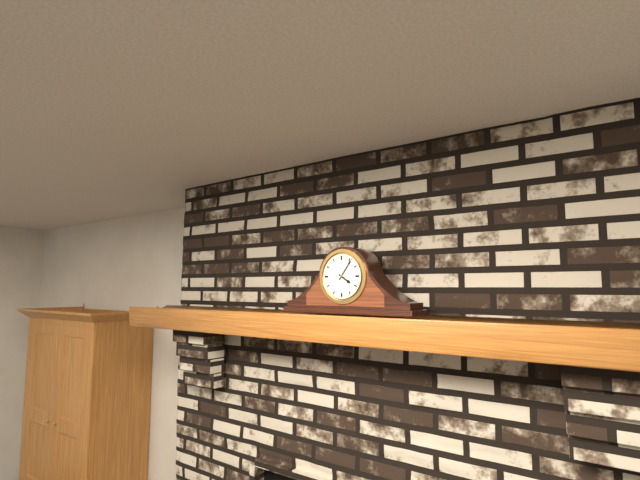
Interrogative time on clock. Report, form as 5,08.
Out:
4,06
